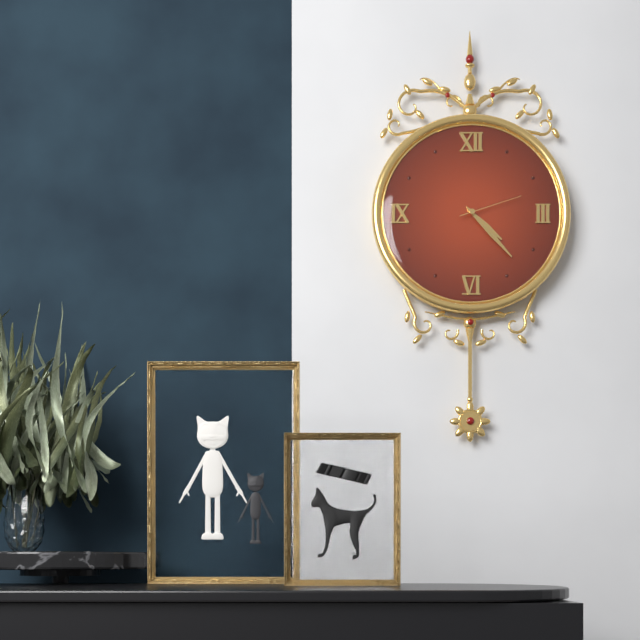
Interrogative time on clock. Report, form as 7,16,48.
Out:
4,23,12
